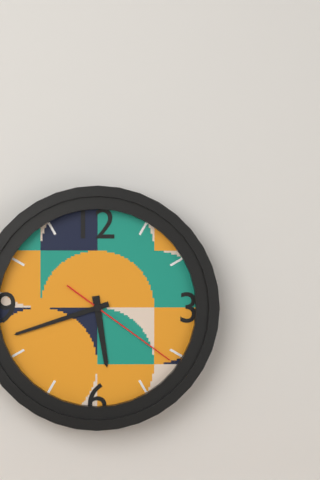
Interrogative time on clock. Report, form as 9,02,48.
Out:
5,42,21
